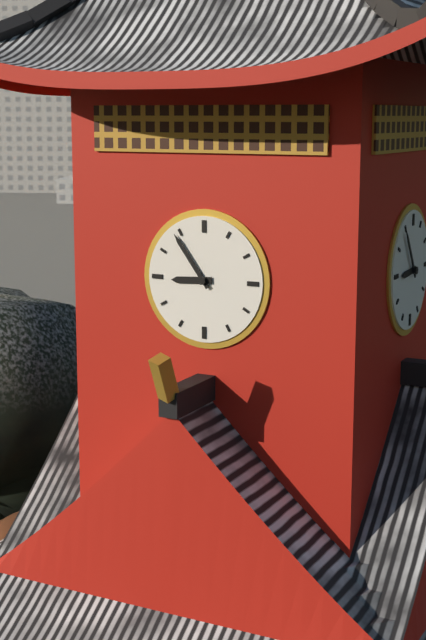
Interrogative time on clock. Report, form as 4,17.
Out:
8,54
